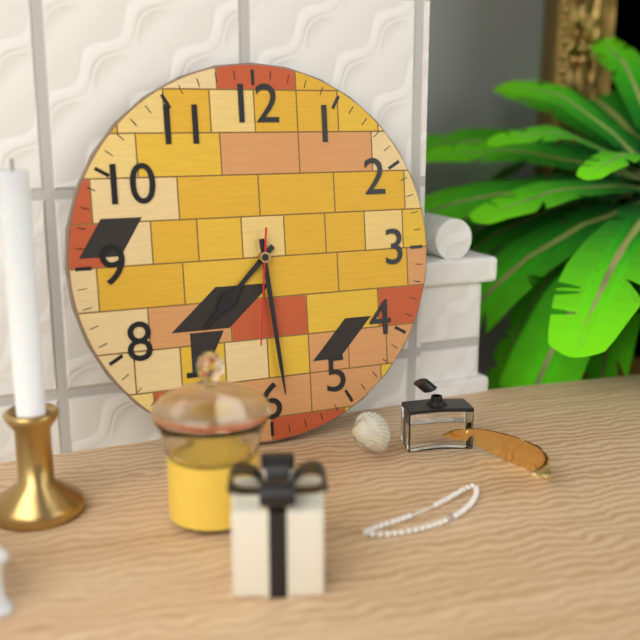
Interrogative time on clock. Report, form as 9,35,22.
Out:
7,29,31
